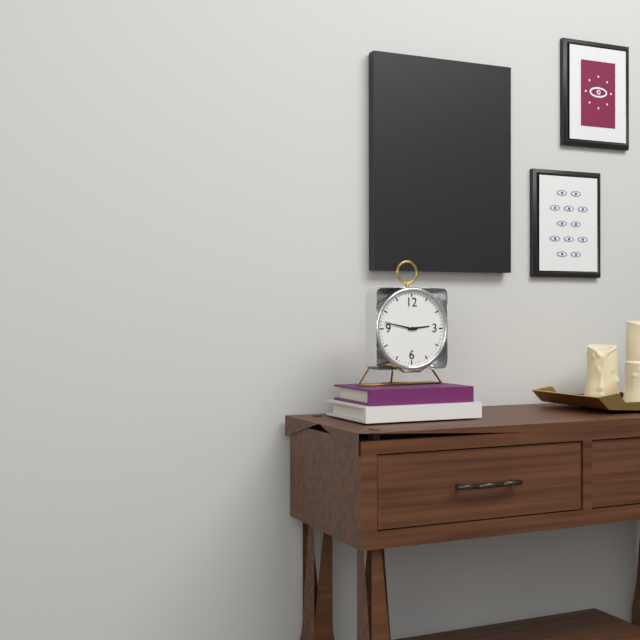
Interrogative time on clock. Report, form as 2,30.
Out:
2,47
